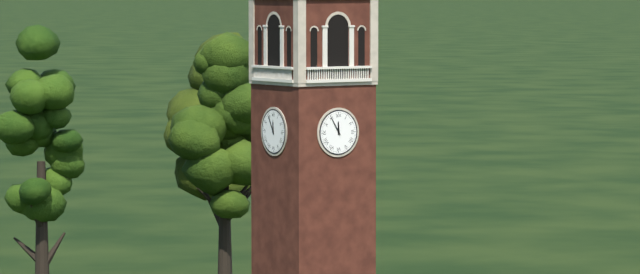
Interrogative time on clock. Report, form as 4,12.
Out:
11,55
